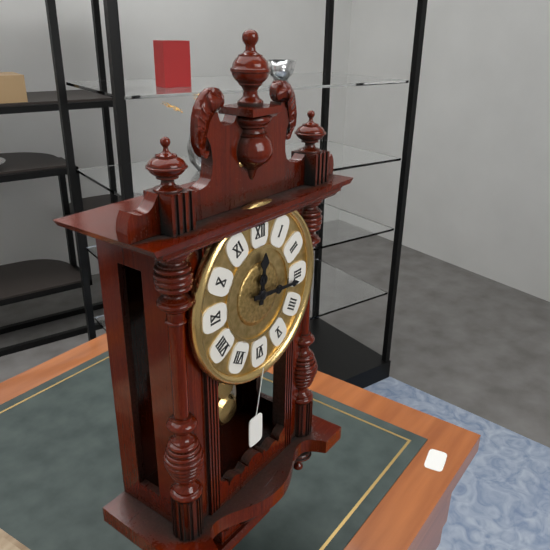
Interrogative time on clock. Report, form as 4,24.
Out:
12,16
